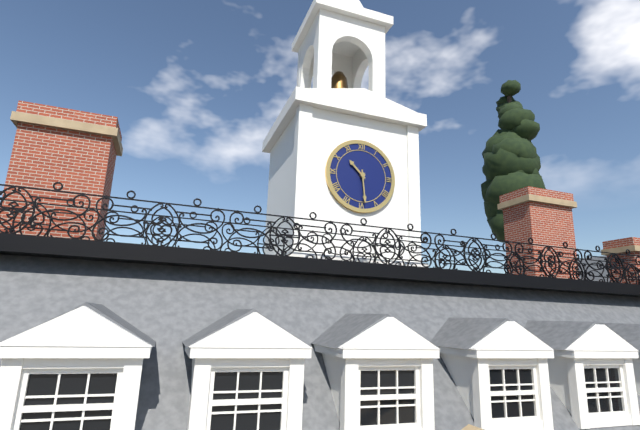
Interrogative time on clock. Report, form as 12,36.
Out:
10,29
